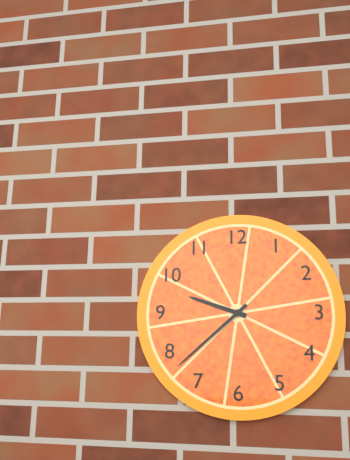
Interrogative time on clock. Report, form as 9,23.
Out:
9,38
